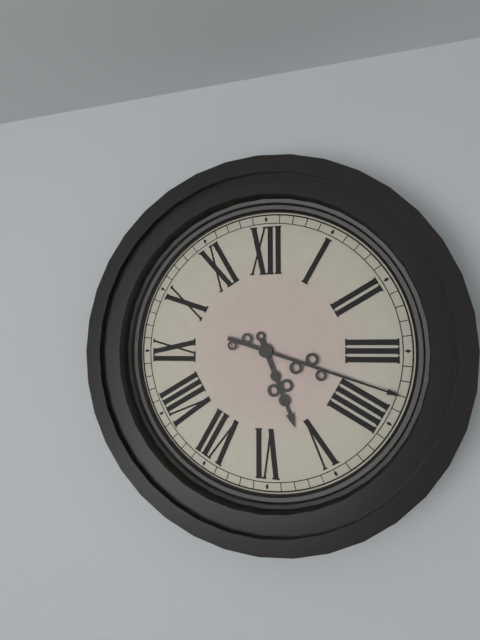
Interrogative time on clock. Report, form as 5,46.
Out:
5,18
